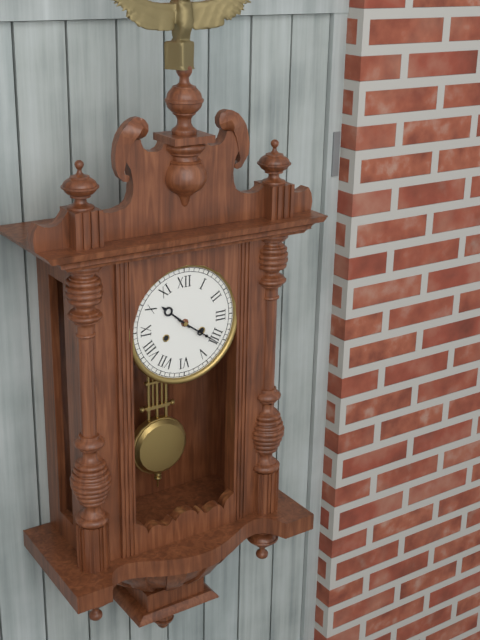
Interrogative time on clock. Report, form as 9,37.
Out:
10,21
